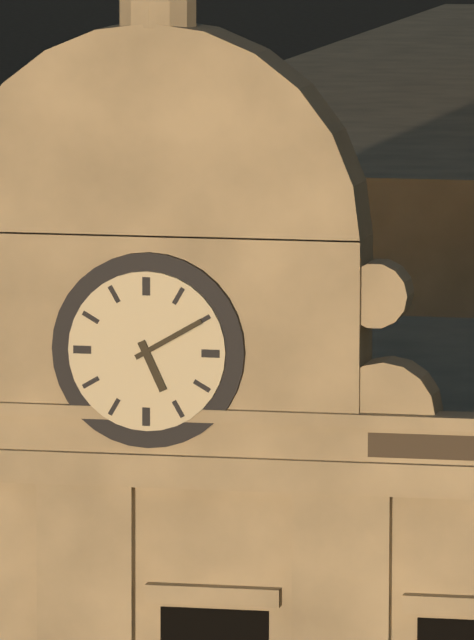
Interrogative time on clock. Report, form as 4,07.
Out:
5,10
